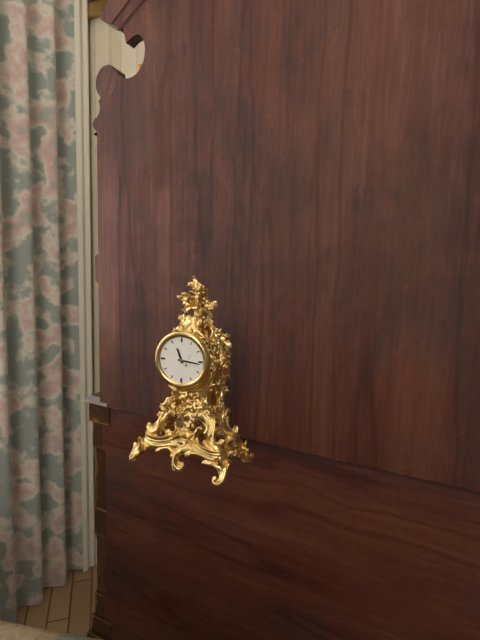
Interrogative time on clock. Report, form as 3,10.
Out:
11,16
